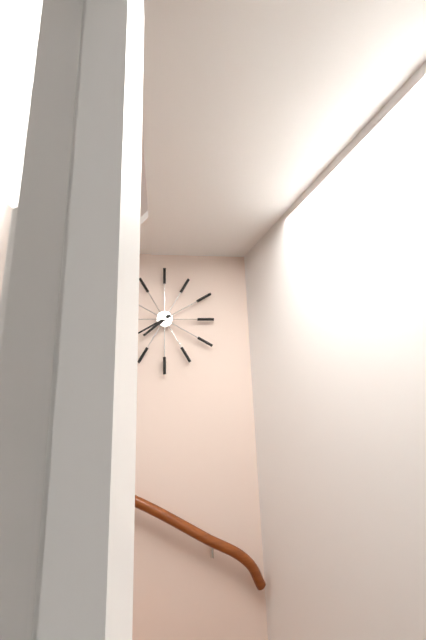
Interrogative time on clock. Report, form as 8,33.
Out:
7,40
